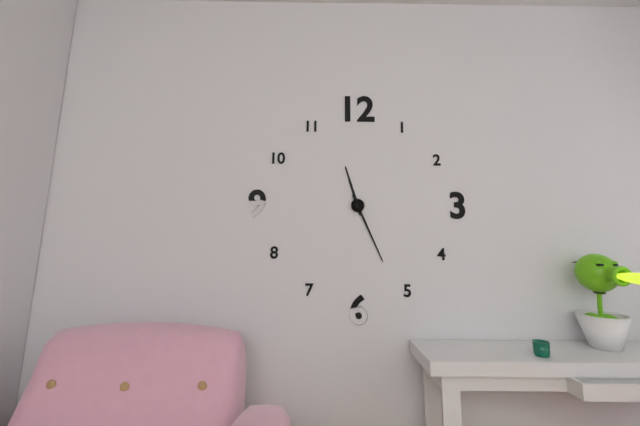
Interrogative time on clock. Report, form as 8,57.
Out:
11,26
